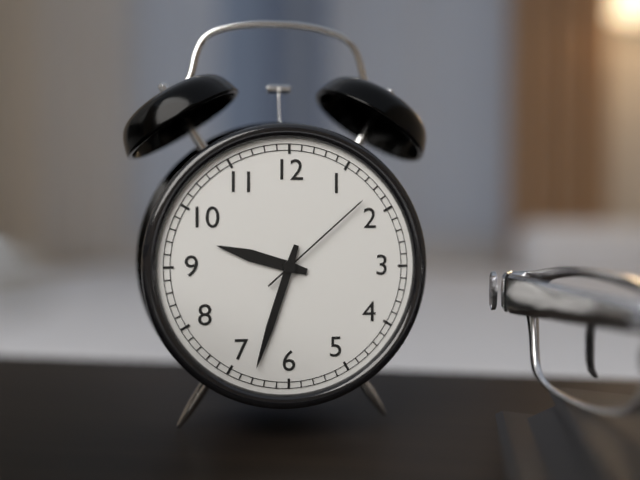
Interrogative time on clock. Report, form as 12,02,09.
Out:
9,33,08
